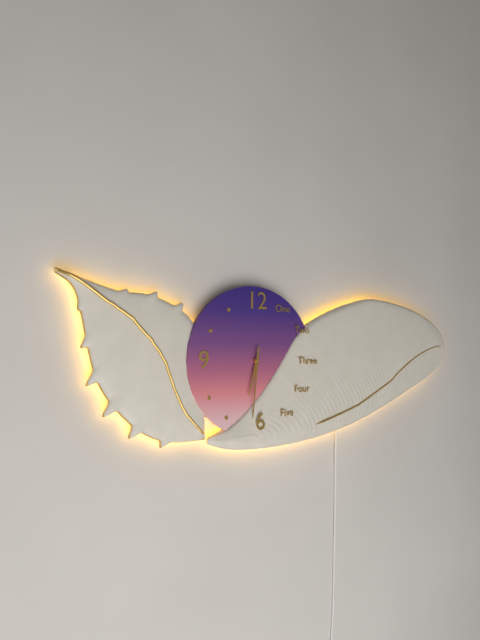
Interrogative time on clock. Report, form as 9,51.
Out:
6,31
